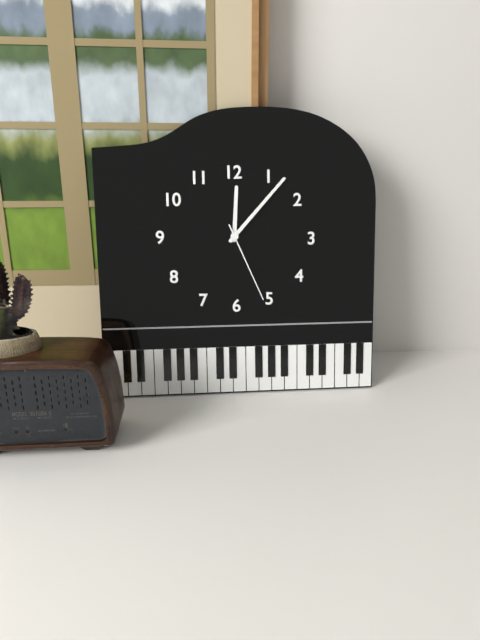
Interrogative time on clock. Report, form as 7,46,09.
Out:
12,07,26
